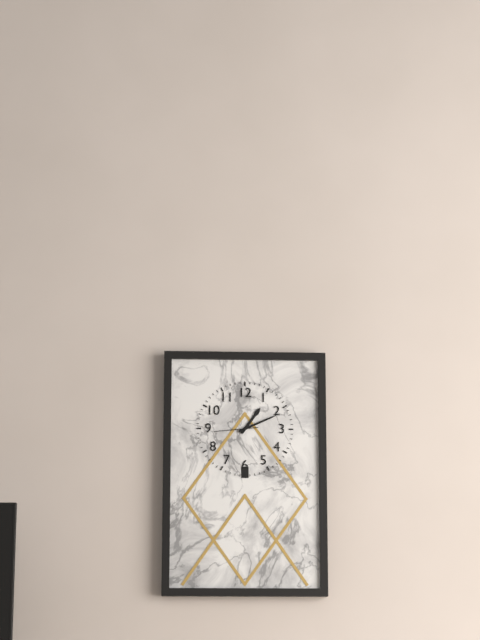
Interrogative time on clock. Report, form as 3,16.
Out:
1,11
